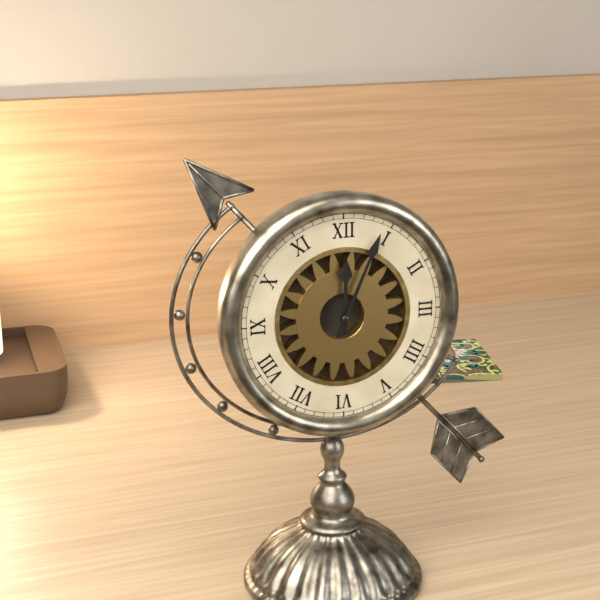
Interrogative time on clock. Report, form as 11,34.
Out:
12,04
